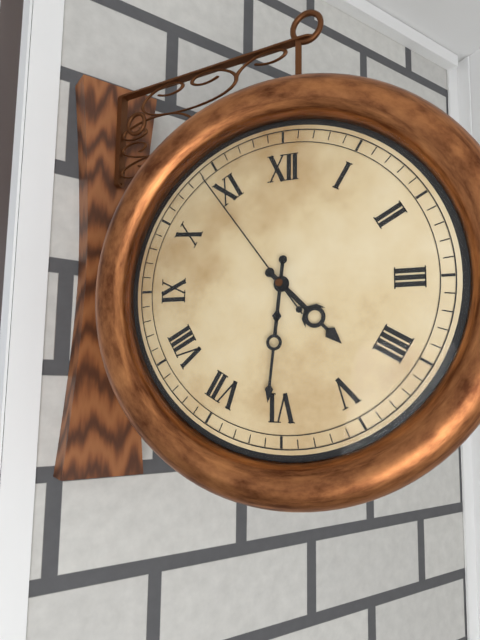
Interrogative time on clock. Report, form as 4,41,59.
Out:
4,31,54
